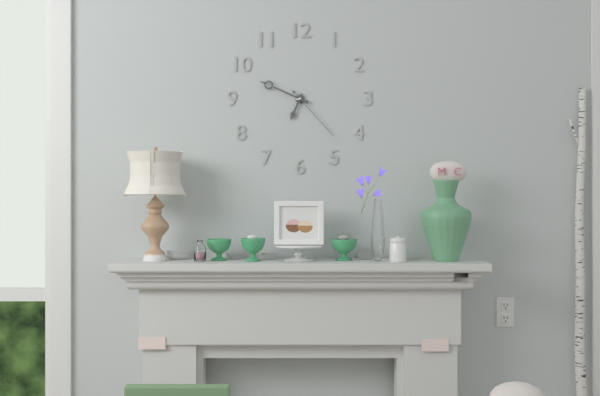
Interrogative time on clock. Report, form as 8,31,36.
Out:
6,49,23
